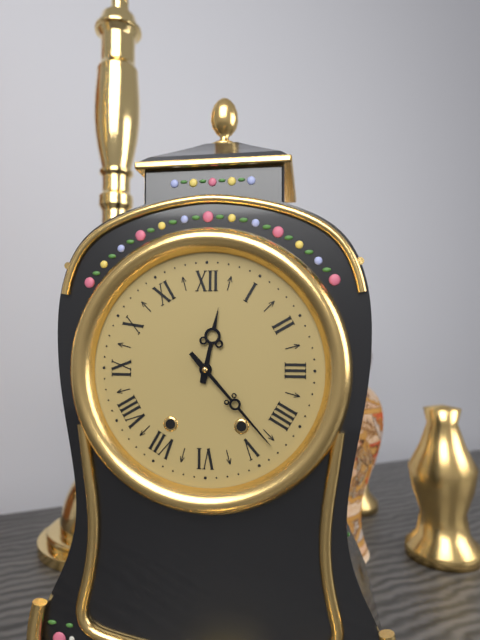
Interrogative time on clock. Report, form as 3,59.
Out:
12,23
